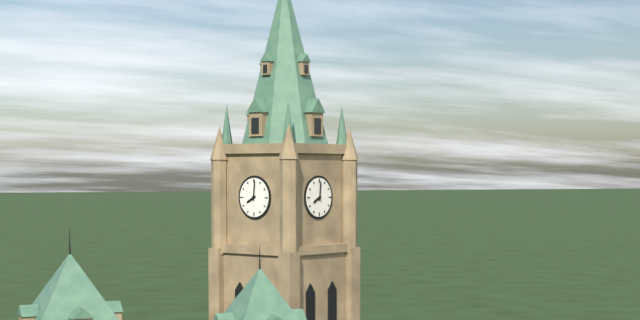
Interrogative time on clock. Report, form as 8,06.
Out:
8,01
